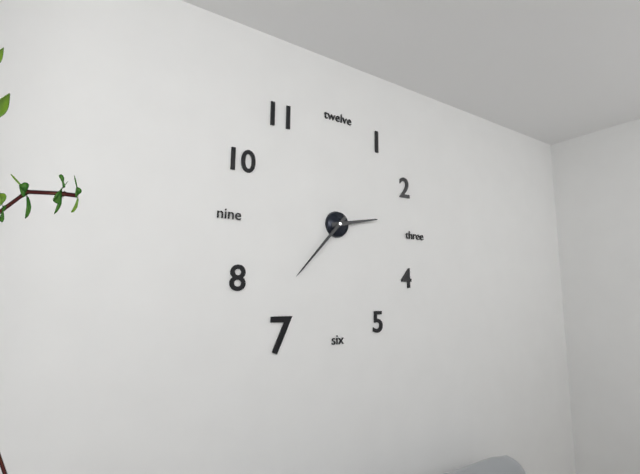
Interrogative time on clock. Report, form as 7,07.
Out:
2,37
